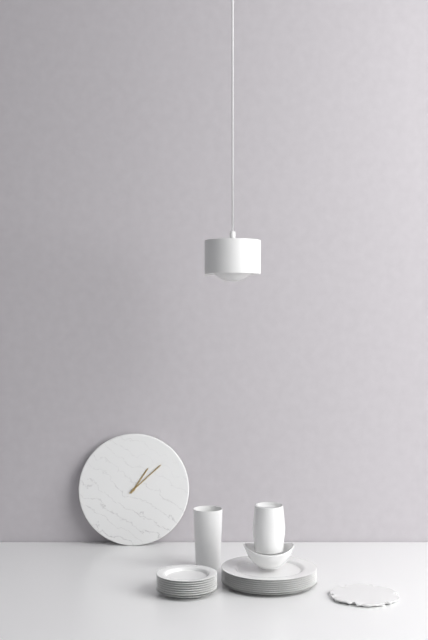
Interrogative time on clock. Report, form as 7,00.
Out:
1,08
